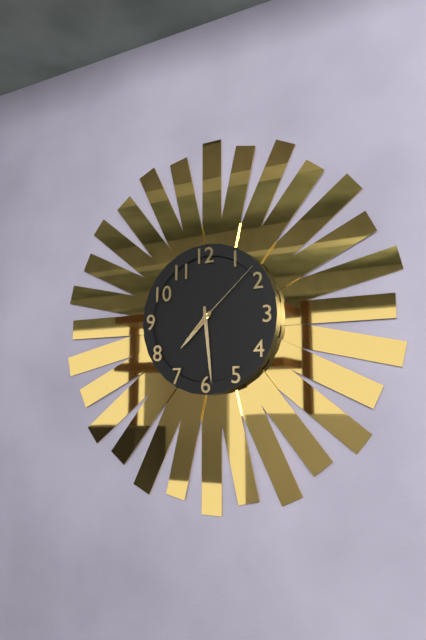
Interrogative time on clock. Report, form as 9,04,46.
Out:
7,29,08
